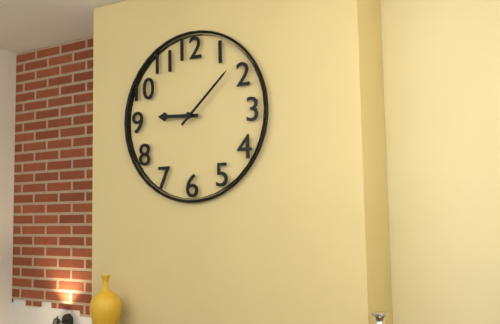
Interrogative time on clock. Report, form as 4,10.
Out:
9,08
